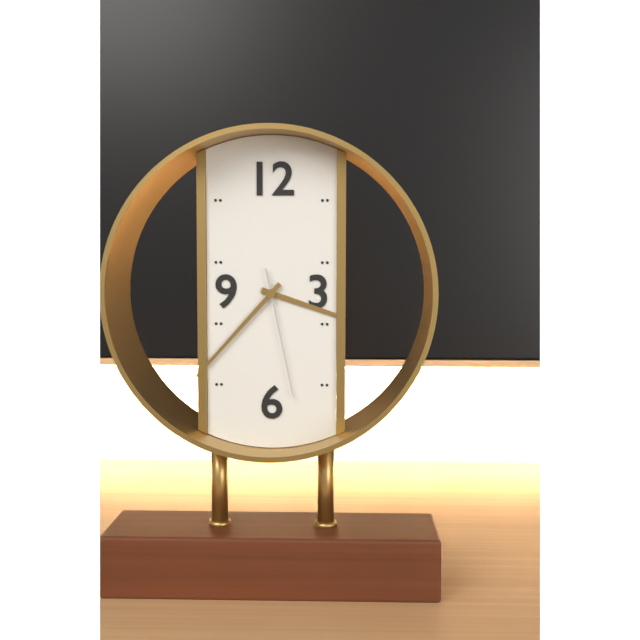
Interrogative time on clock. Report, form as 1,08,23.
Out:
3,37,28
